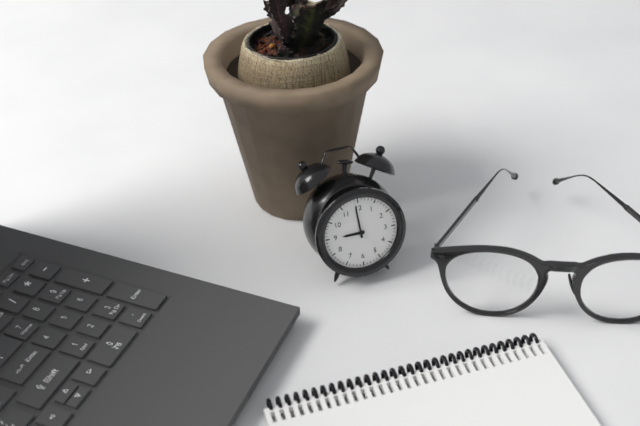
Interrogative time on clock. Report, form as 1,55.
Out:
8,59
